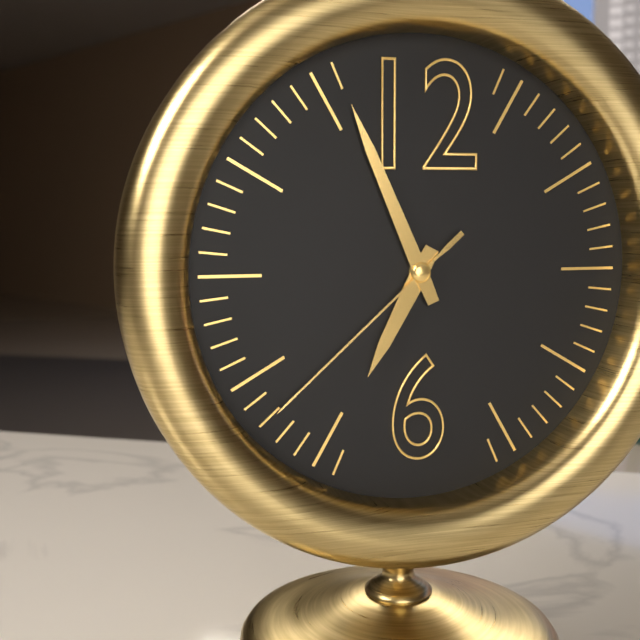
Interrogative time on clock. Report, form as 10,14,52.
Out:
6,56,38
